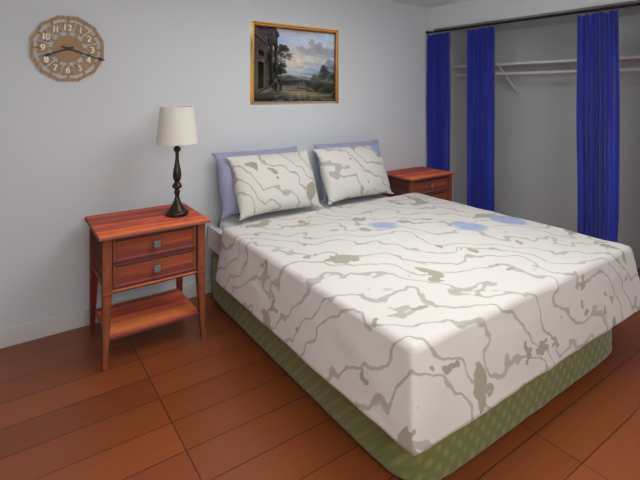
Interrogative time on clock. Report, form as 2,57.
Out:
8,18
